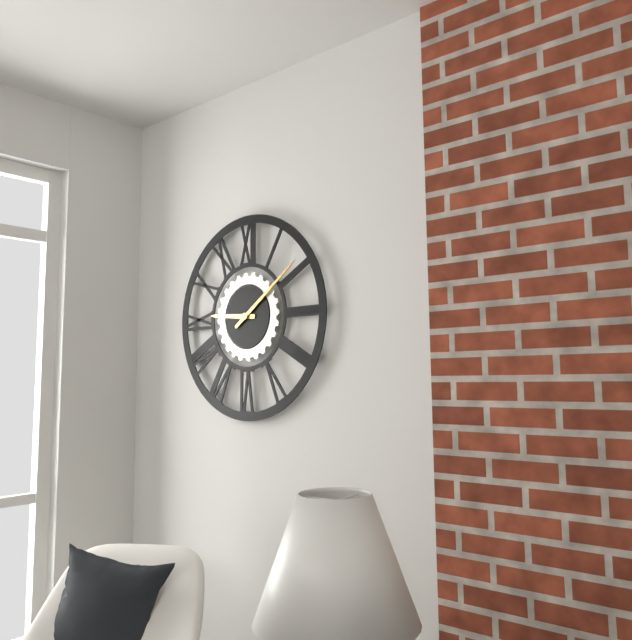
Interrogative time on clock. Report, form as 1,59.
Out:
9,09
